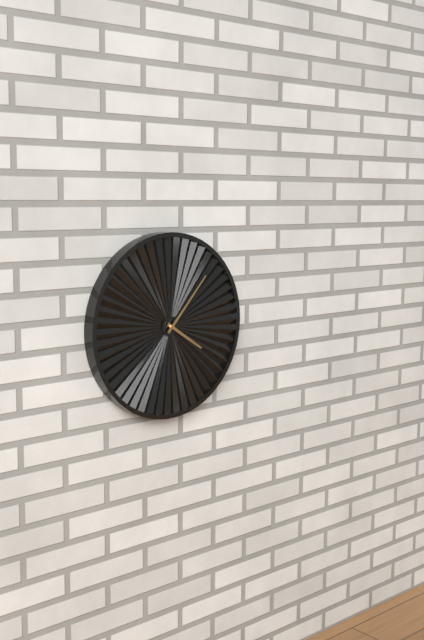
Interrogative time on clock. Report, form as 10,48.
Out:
4,07
